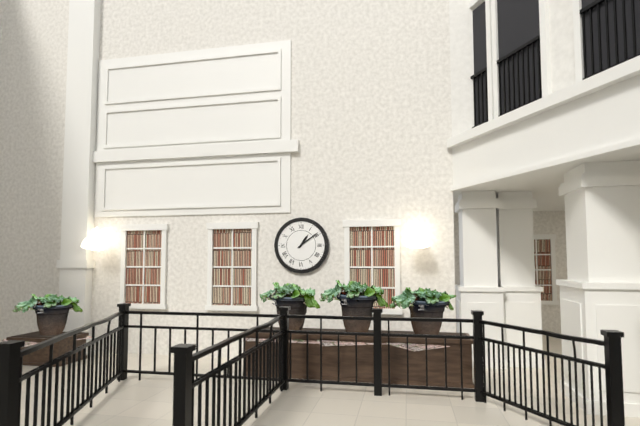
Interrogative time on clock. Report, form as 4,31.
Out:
1,09
